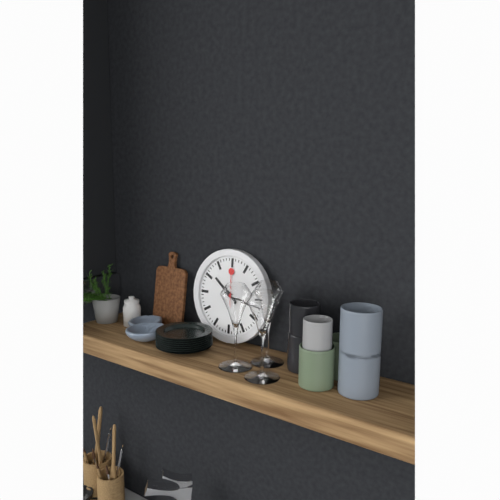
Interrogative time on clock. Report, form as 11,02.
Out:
10,17
